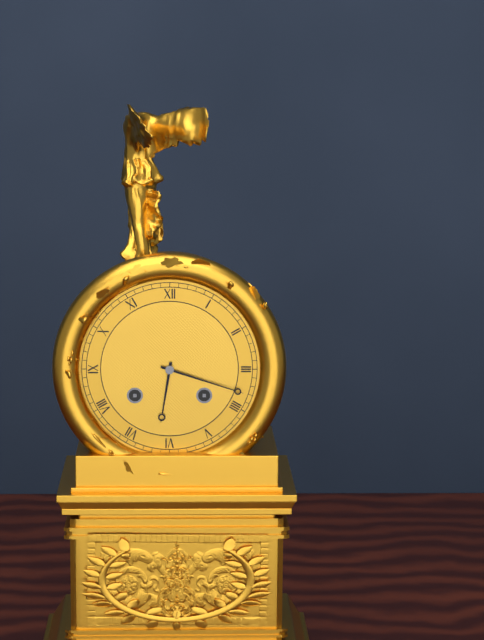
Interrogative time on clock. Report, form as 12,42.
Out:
6,18
